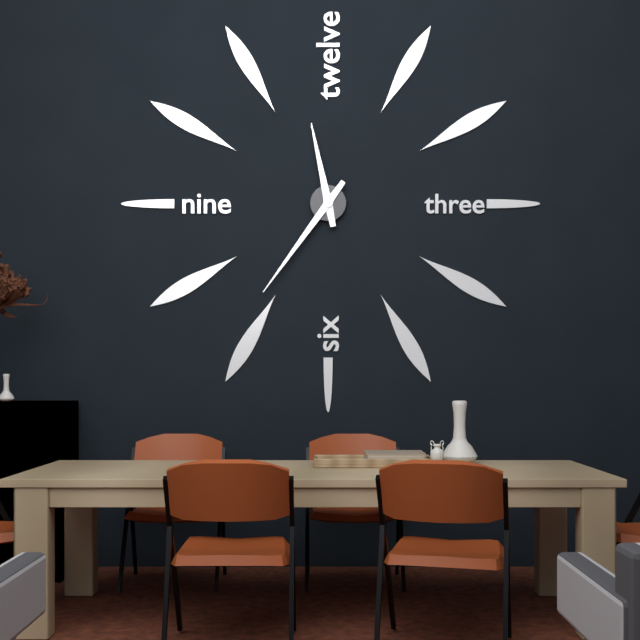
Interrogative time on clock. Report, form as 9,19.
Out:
11,36
